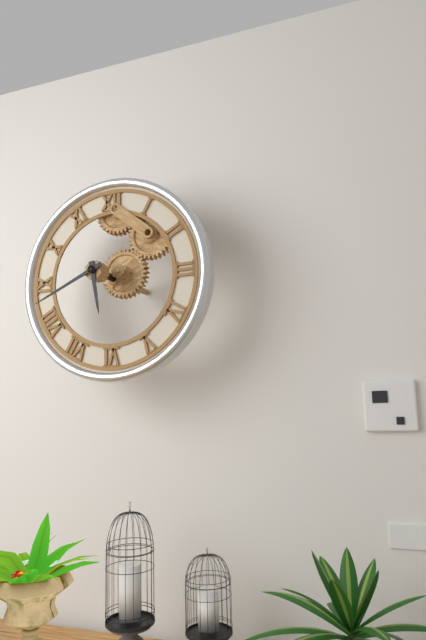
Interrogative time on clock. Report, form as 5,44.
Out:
5,41
